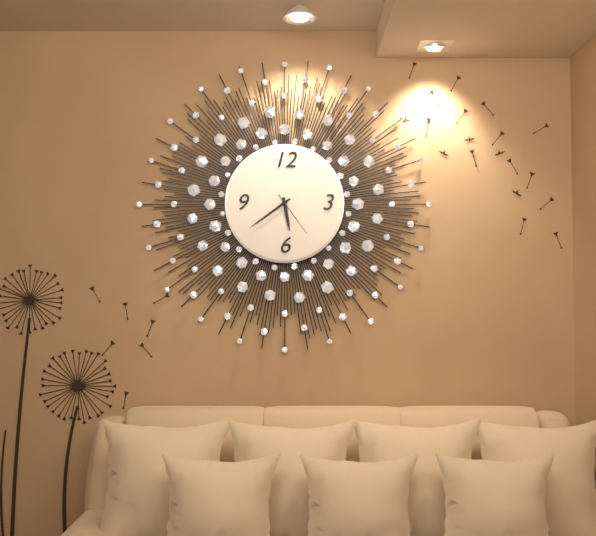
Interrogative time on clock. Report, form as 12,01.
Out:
5,39
